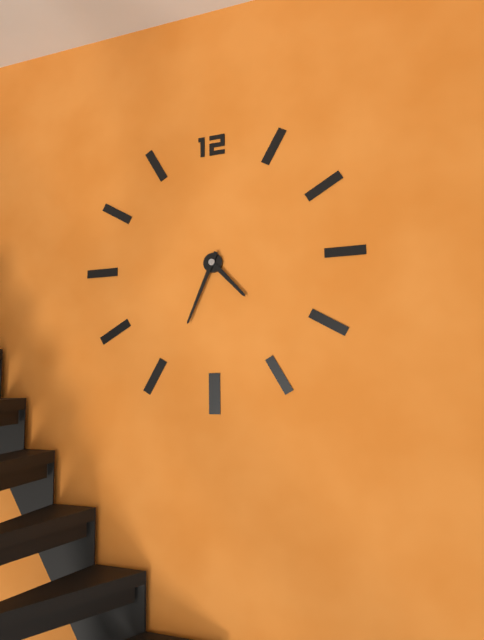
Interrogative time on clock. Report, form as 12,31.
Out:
4,34
